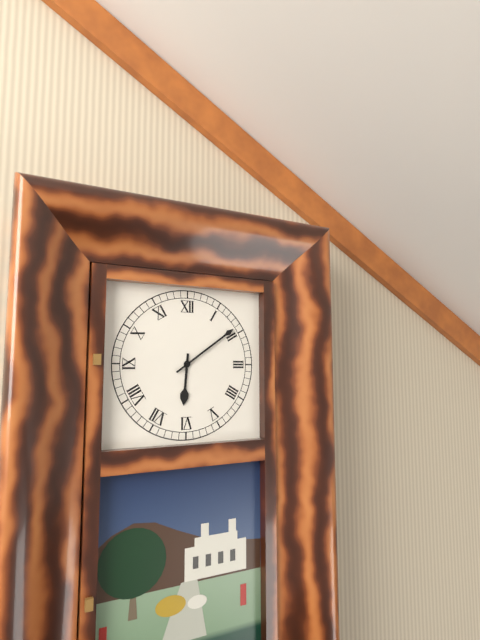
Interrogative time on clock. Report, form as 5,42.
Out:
6,09
